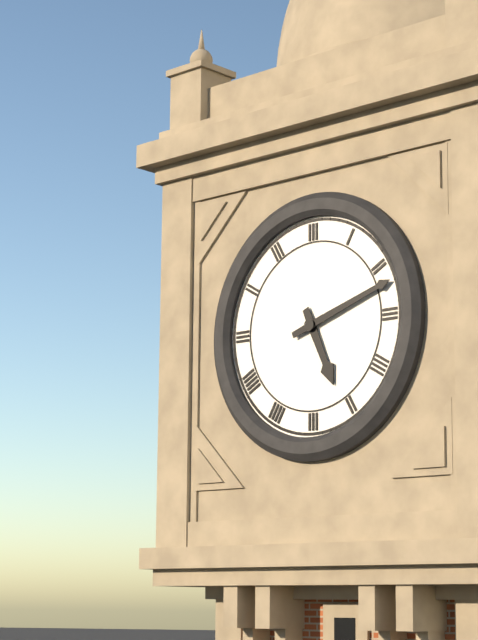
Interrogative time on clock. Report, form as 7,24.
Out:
5,12
